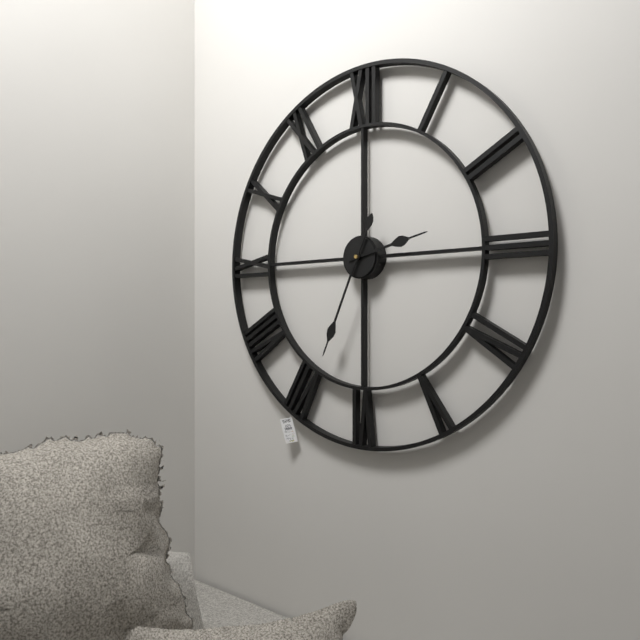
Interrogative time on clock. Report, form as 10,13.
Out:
2,34
